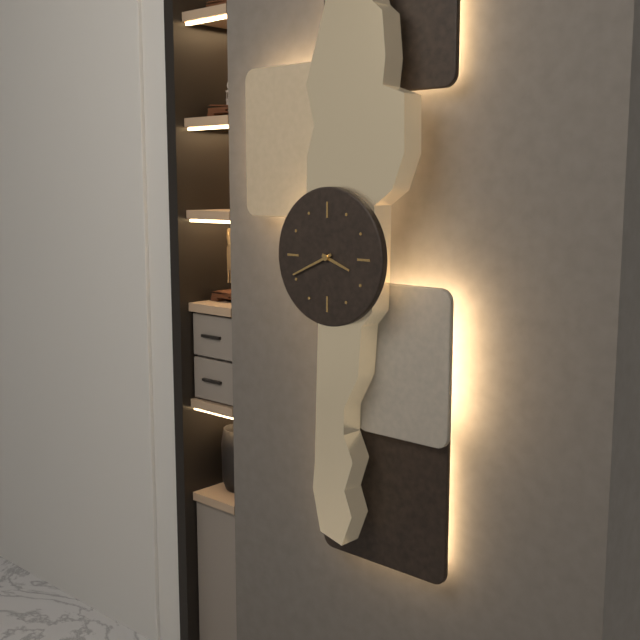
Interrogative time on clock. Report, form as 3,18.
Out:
3,41
